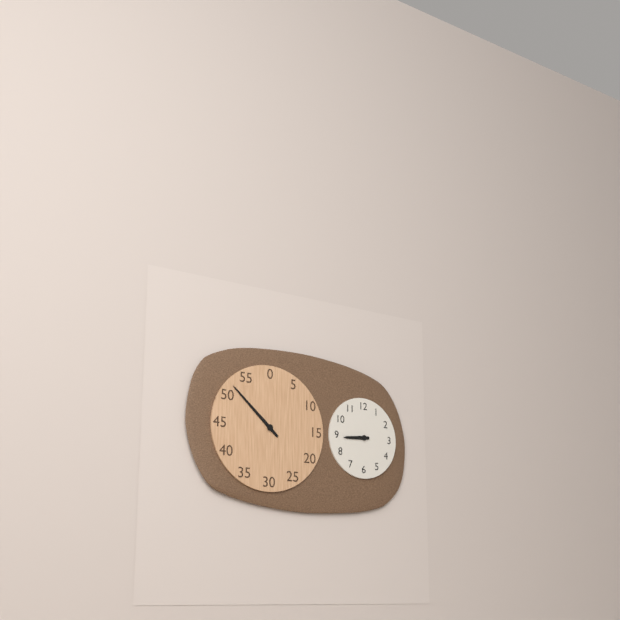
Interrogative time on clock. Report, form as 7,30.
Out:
8,52
